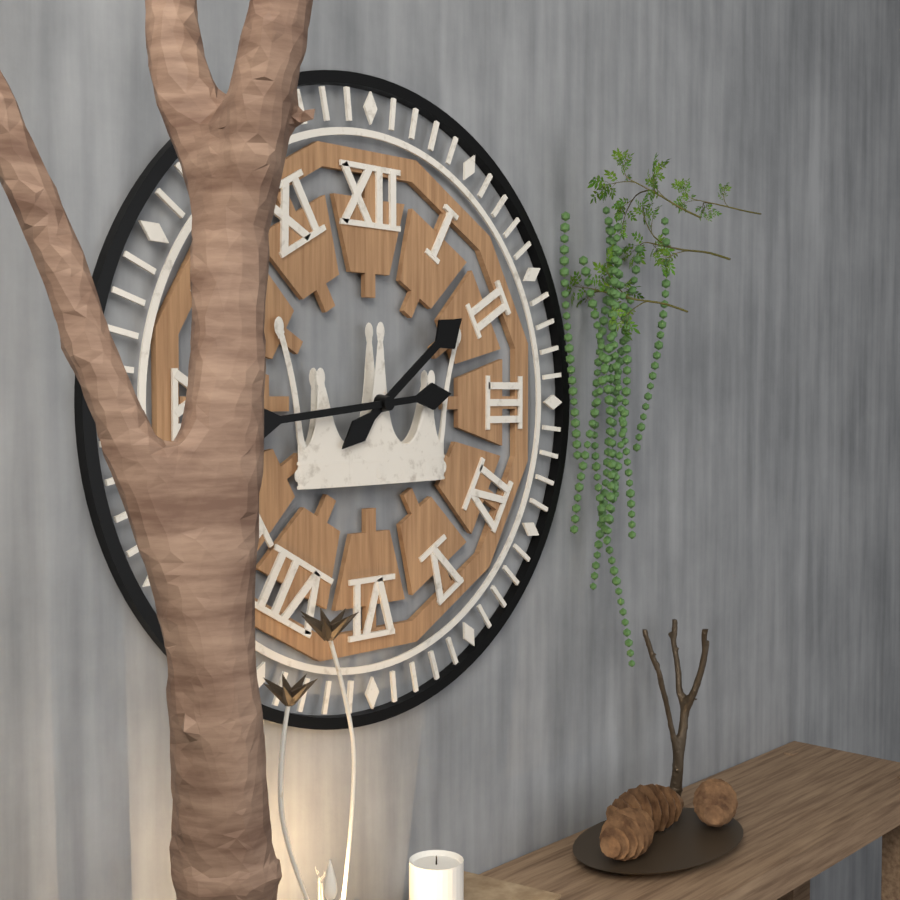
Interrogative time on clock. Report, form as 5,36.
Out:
1,44
